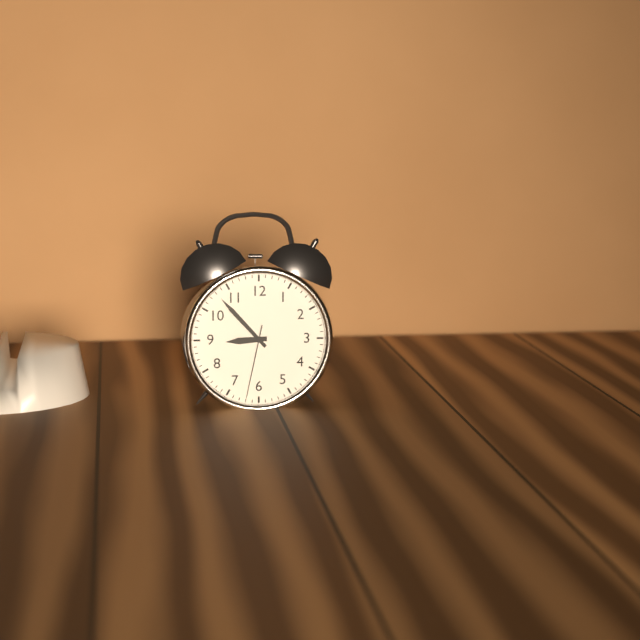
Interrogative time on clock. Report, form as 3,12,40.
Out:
8,53,32
